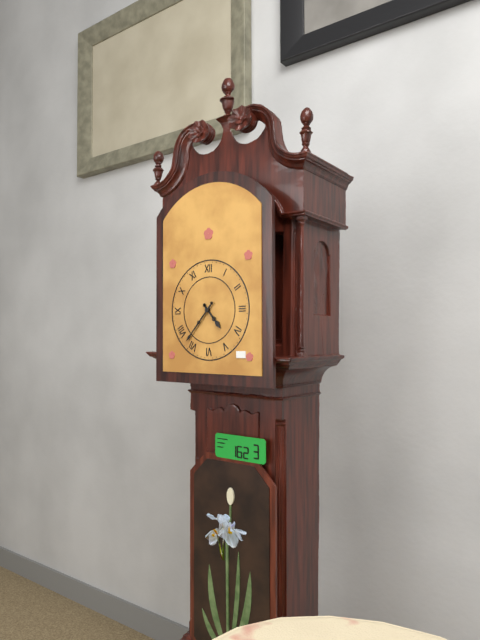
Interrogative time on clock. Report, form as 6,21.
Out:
4,37
